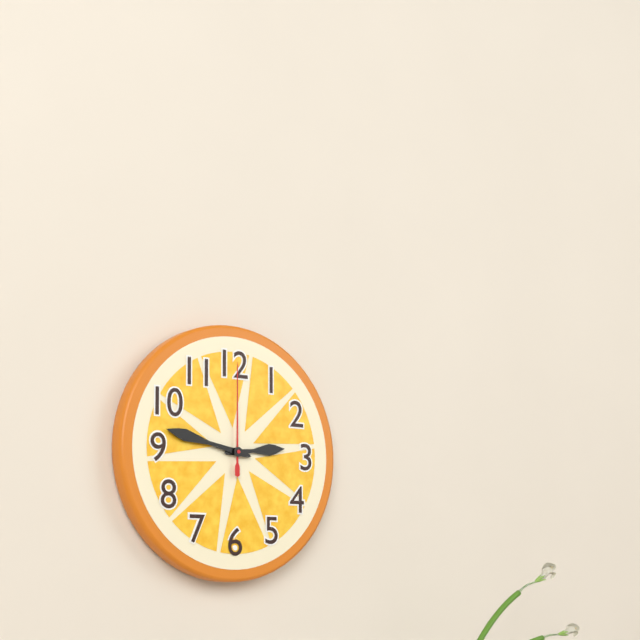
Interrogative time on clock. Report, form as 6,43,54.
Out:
2,47,00
